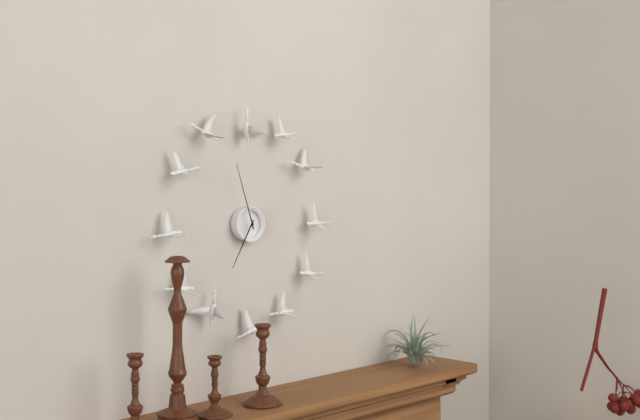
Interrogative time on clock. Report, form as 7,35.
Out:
6,57
